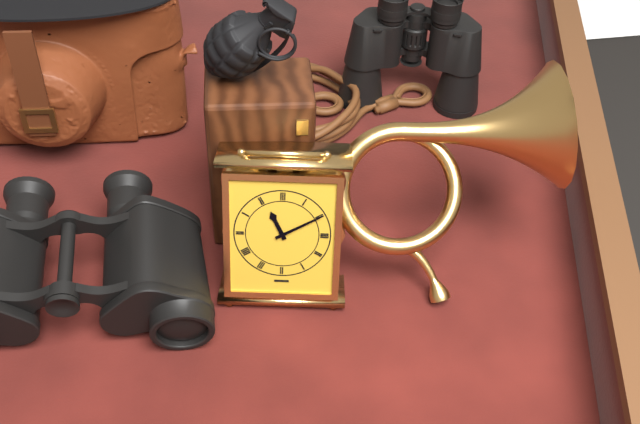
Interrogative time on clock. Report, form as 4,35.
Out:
11,10
